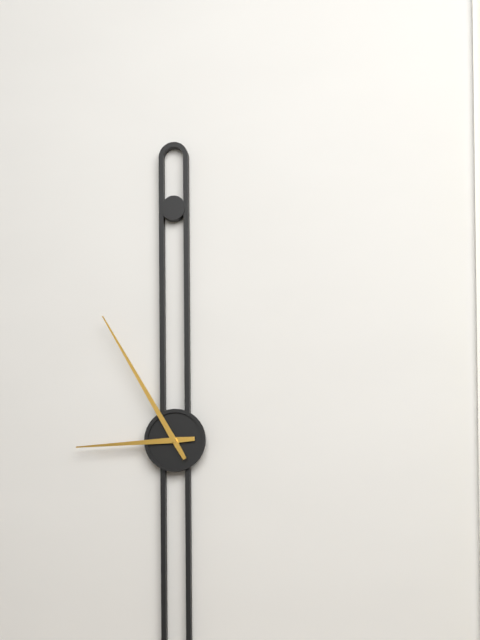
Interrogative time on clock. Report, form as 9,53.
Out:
8,55
